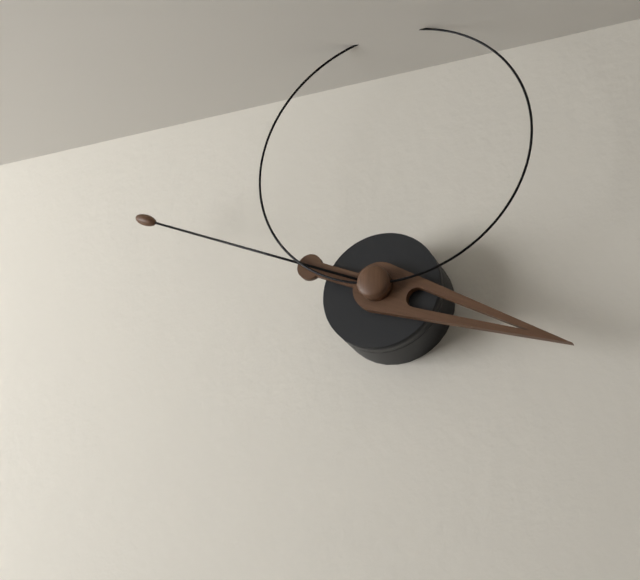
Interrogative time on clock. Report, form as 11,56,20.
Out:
3,49,01
